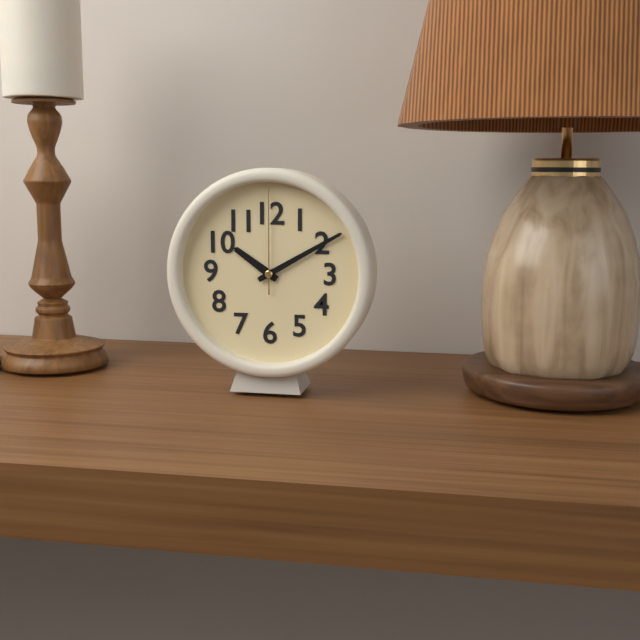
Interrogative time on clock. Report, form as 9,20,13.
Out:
10,10,00
